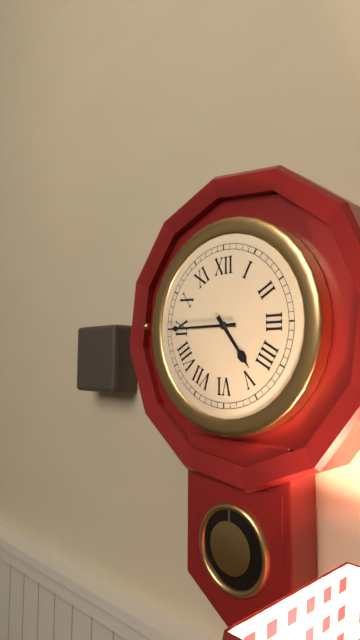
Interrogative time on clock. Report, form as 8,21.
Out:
4,45
